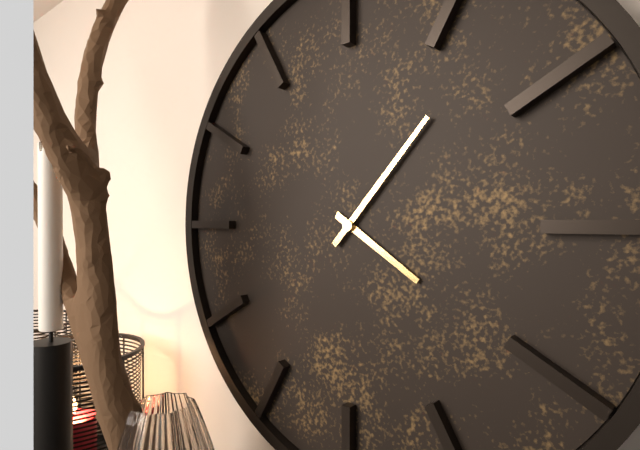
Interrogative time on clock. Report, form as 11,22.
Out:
4,07
